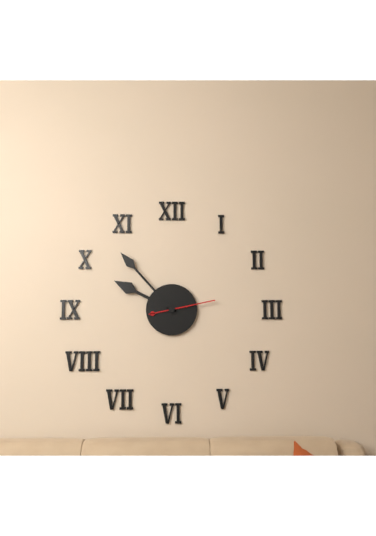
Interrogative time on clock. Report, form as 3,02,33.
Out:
9,53,13
